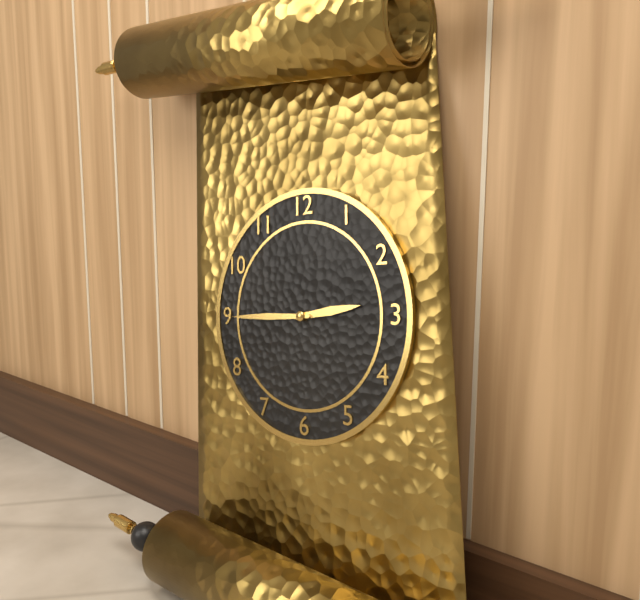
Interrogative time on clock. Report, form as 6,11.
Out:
2,45
